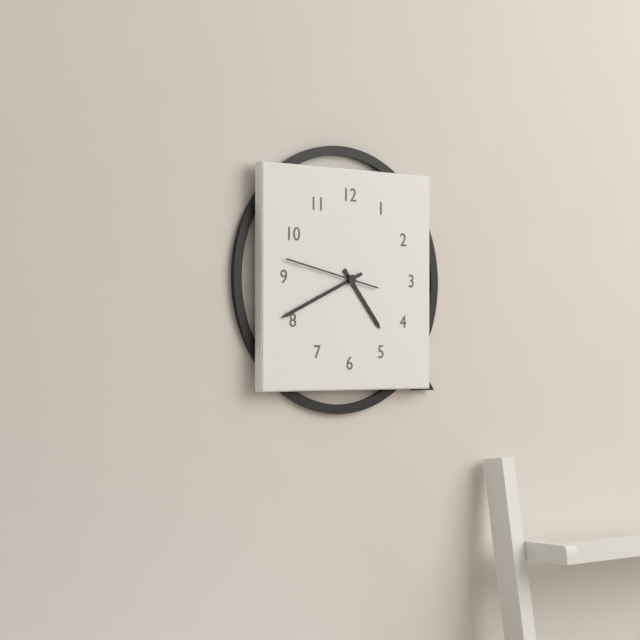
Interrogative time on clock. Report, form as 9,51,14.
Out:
4,41,47
